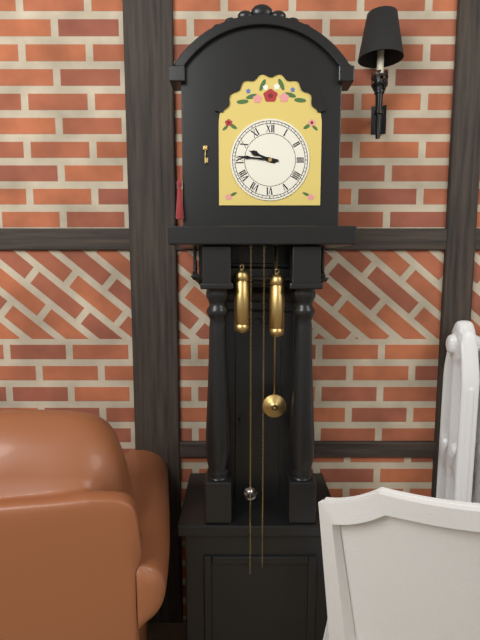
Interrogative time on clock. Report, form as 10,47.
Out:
9,46
